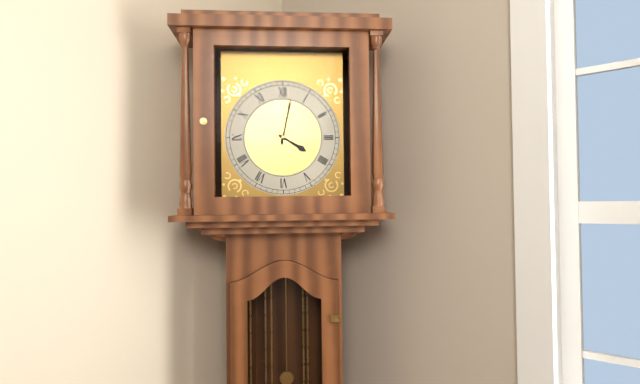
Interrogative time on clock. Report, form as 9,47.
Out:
4,02
